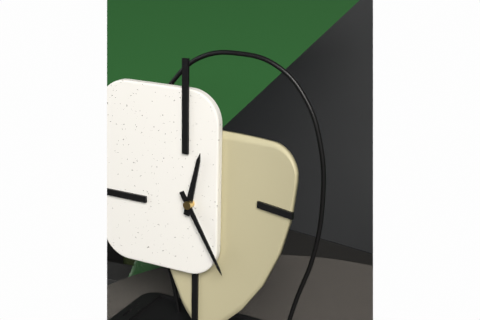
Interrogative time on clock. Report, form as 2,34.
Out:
12,25
